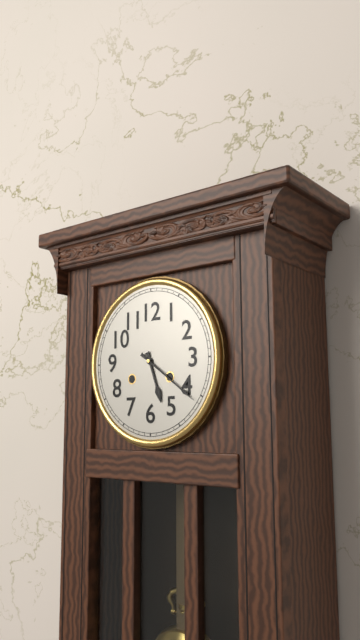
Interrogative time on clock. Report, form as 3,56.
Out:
5,21
